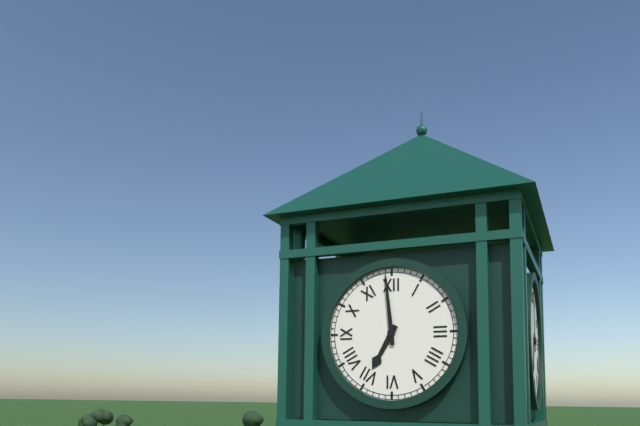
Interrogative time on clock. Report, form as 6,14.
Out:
6,59
